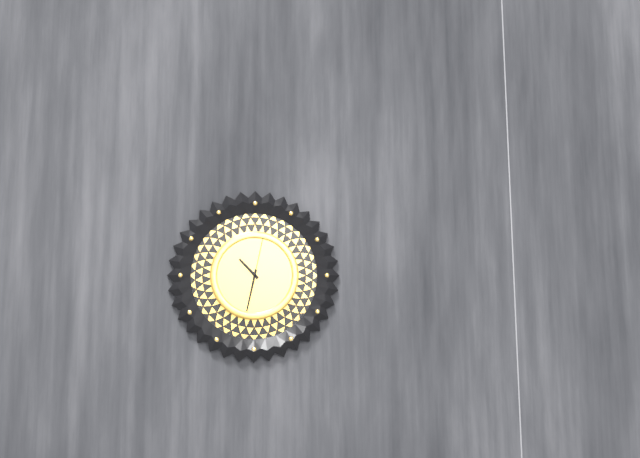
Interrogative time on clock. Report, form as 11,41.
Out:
10,32
